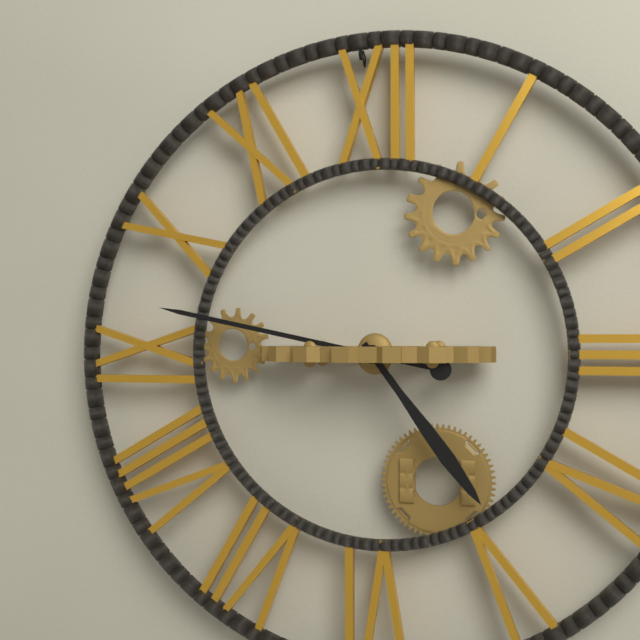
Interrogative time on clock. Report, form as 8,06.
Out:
4,47
